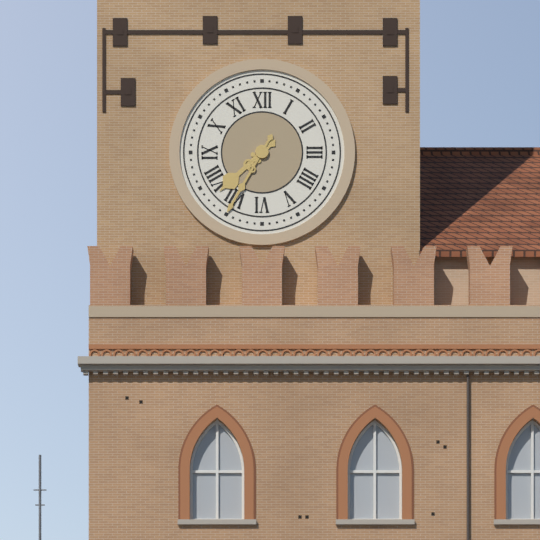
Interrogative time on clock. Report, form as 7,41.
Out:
7,35
